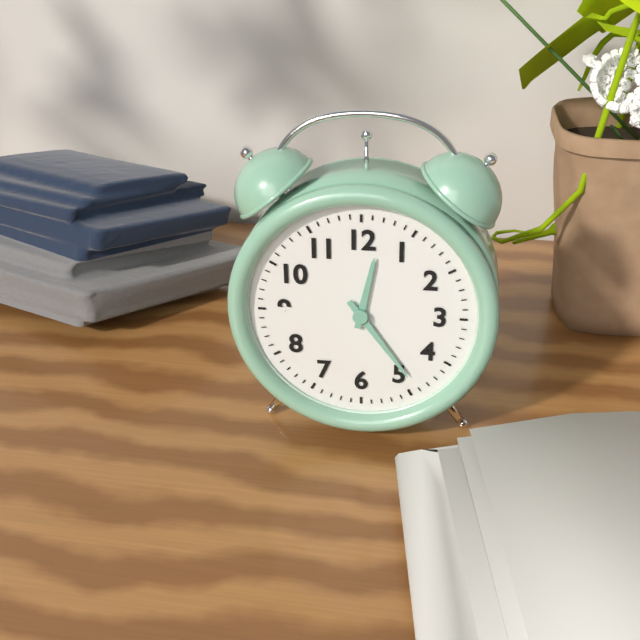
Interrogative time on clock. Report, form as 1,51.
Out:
12,24
